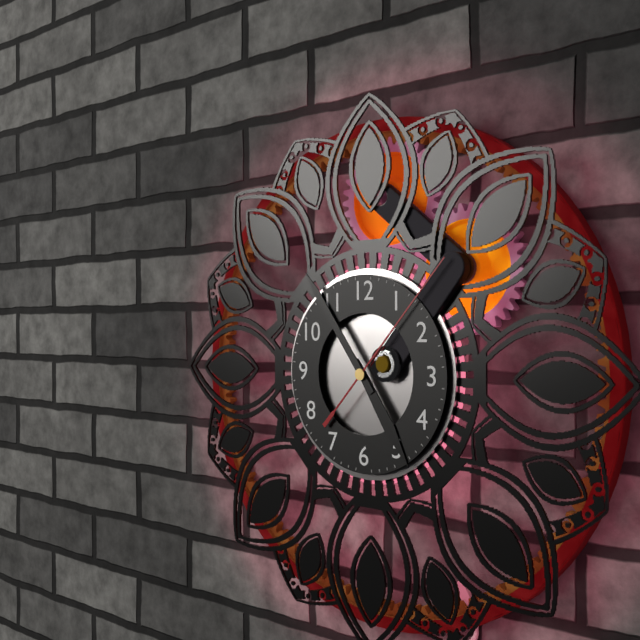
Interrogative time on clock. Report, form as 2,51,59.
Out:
4,54,07
